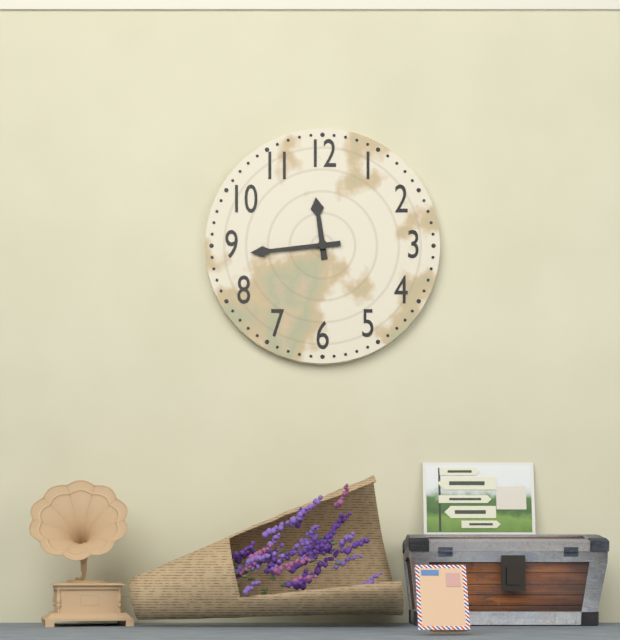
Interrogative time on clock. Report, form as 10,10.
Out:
11,44
